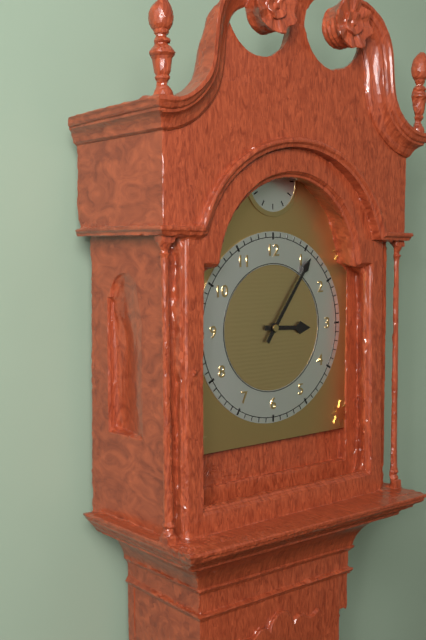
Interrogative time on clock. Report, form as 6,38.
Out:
3,06
